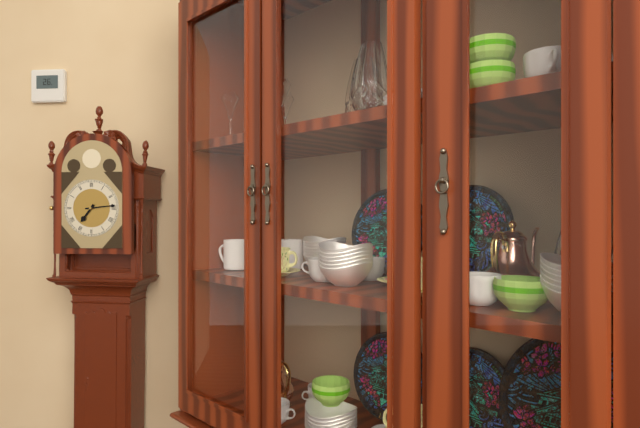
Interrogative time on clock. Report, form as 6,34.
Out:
7,14
